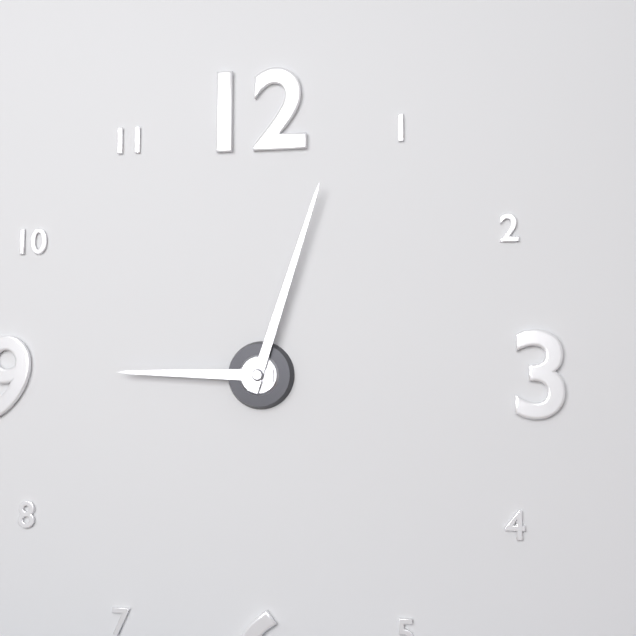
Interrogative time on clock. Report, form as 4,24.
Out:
9,03
